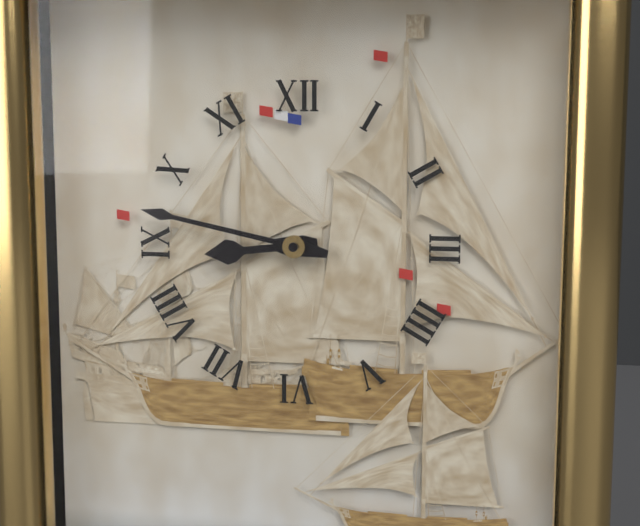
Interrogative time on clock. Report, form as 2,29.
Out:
8,47
